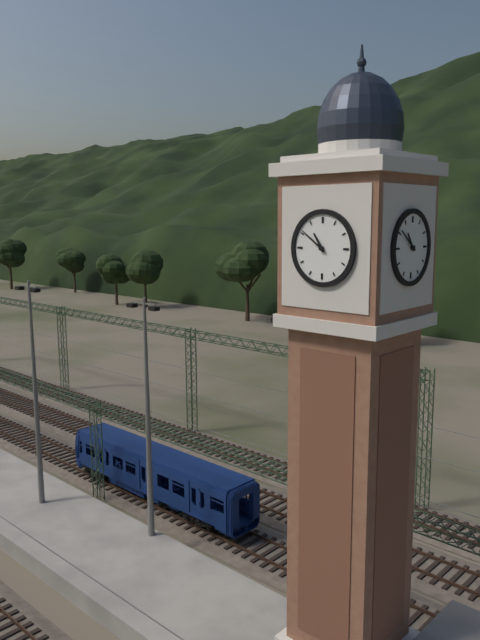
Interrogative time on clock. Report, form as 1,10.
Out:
10,51
